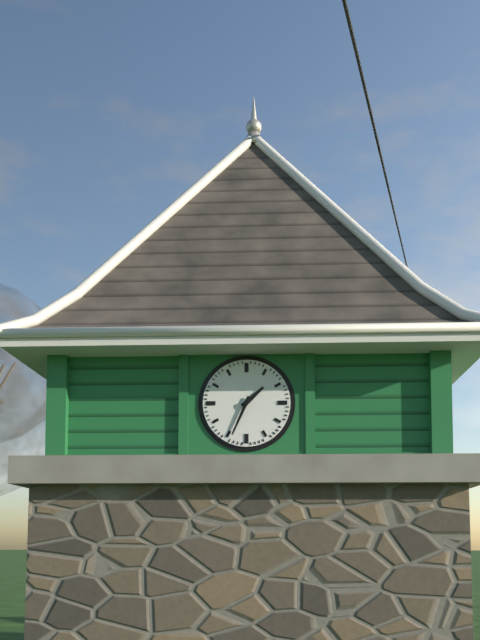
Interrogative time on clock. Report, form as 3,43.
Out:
1,34
